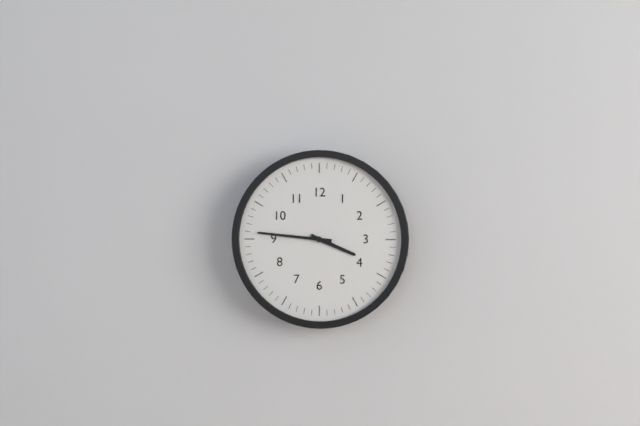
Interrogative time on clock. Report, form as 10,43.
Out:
3,46
